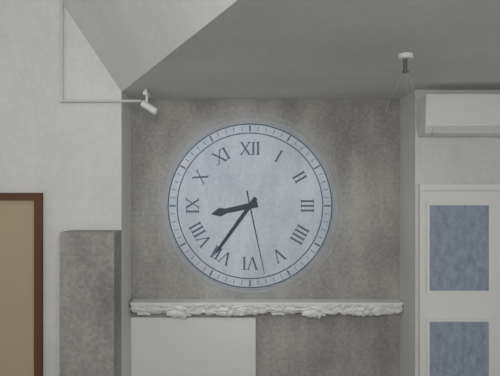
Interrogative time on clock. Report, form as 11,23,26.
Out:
8,36,28
